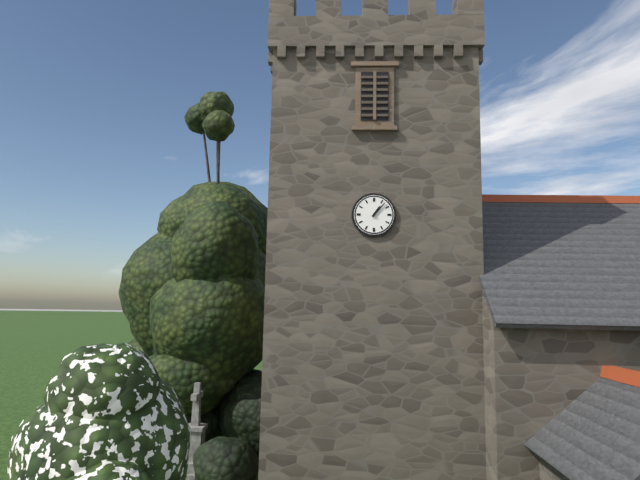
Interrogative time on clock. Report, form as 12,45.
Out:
1,07
